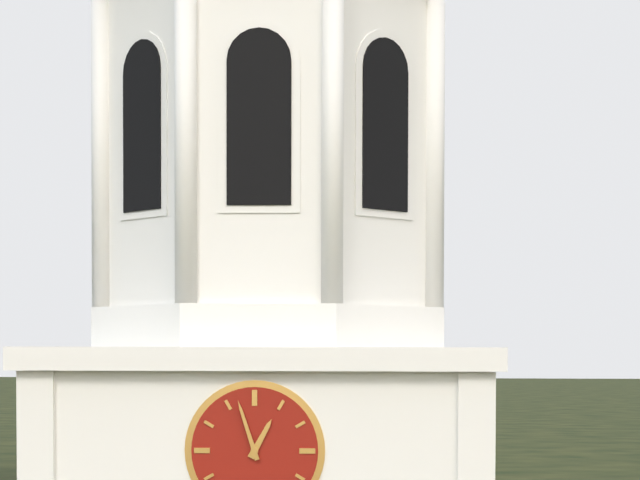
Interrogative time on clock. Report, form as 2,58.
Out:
12,57
